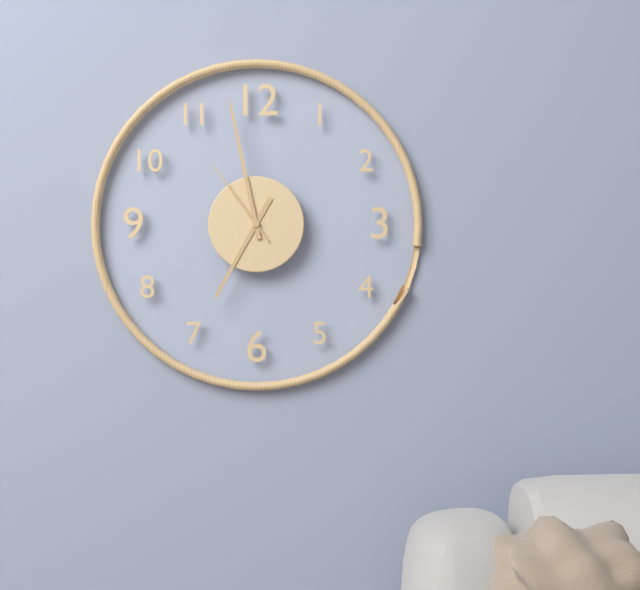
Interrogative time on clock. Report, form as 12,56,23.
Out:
6,58,54
